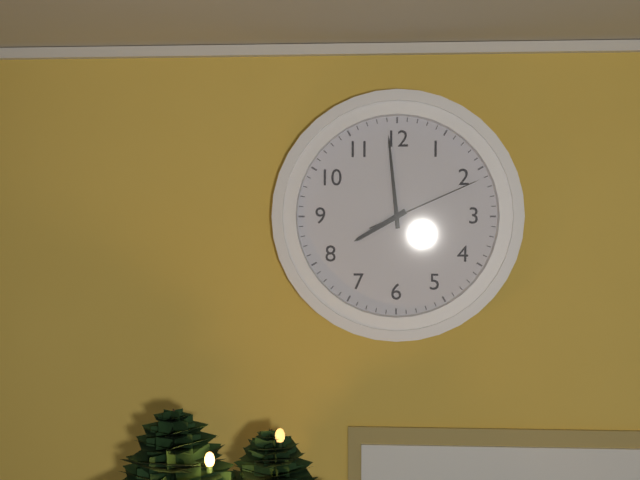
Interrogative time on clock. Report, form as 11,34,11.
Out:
7,59,11
